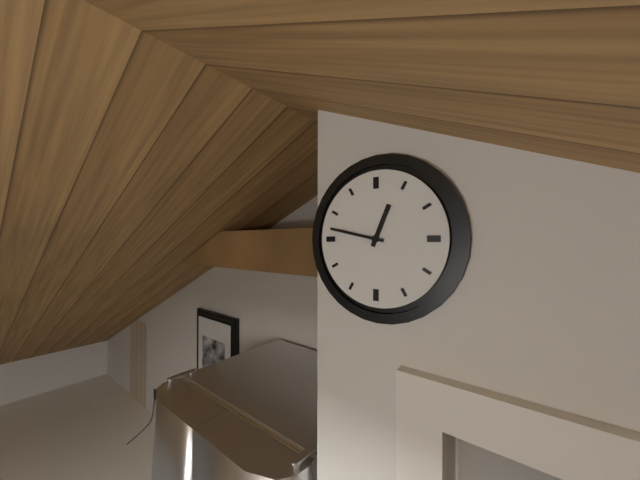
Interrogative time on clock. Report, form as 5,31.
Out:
12,47
